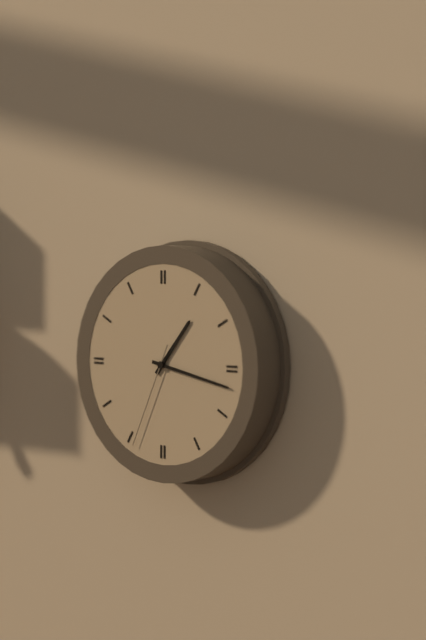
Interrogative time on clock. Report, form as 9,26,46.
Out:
1,17,34
